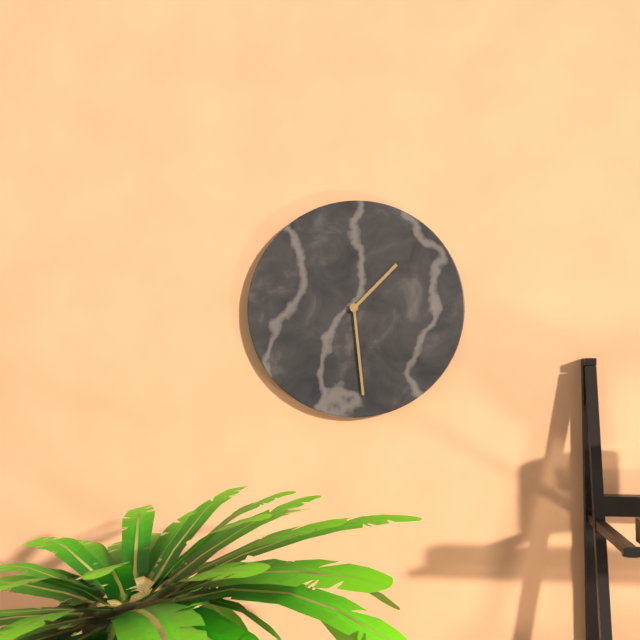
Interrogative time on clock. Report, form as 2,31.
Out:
1,29
